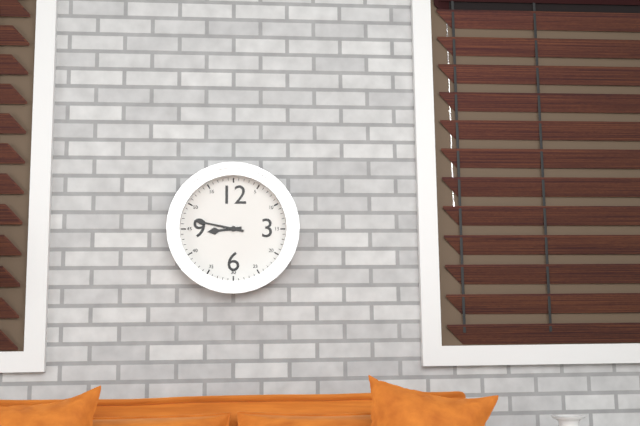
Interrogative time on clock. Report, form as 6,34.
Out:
8,47
